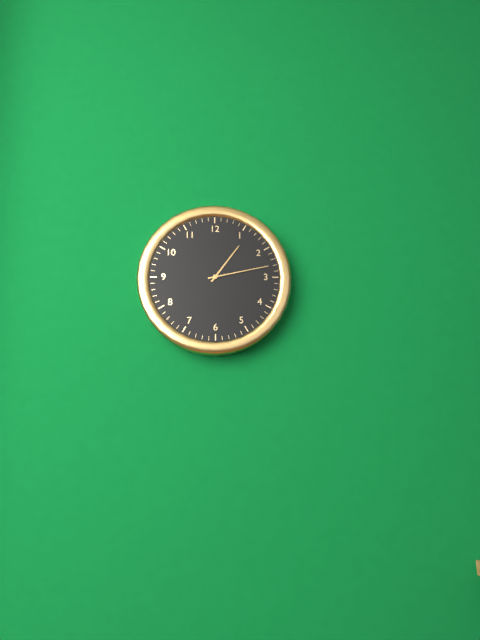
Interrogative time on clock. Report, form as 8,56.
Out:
1,13
